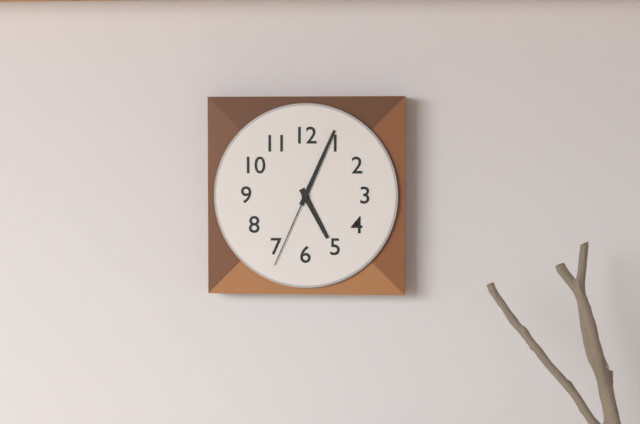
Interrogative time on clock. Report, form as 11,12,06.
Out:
5,04,34
